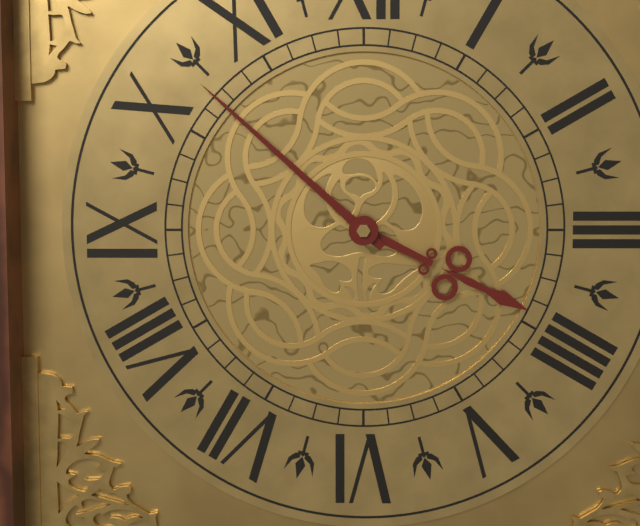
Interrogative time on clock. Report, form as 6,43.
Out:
3,52
